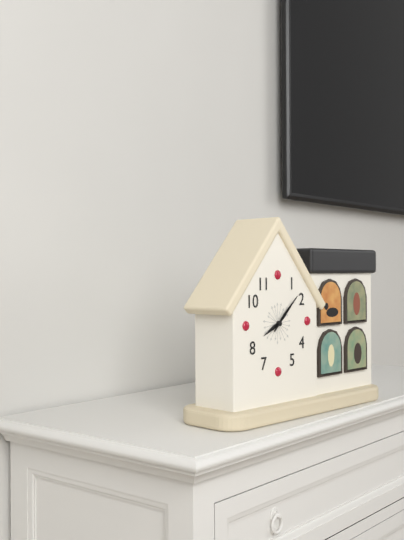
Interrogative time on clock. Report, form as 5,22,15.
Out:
8,08,08
